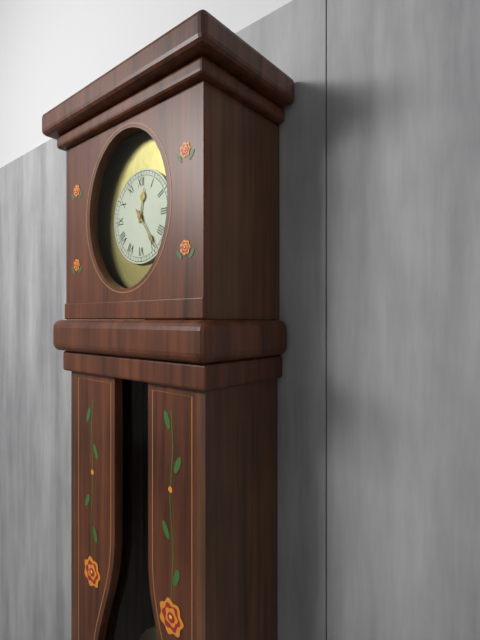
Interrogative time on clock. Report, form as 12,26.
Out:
12,24
